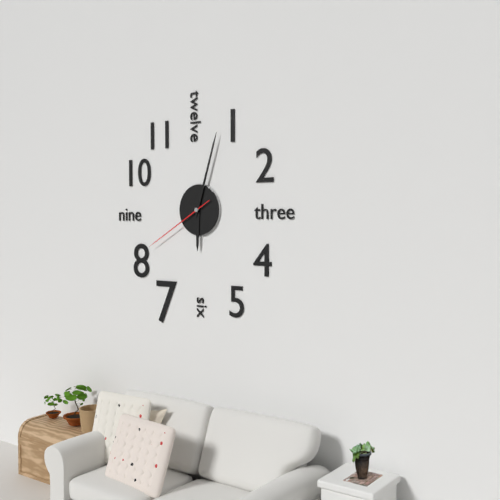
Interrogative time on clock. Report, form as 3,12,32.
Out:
6,03,40
